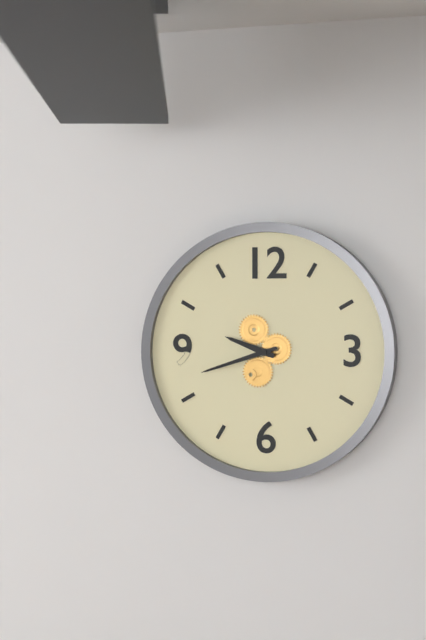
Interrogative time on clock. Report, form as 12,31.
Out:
9,42
